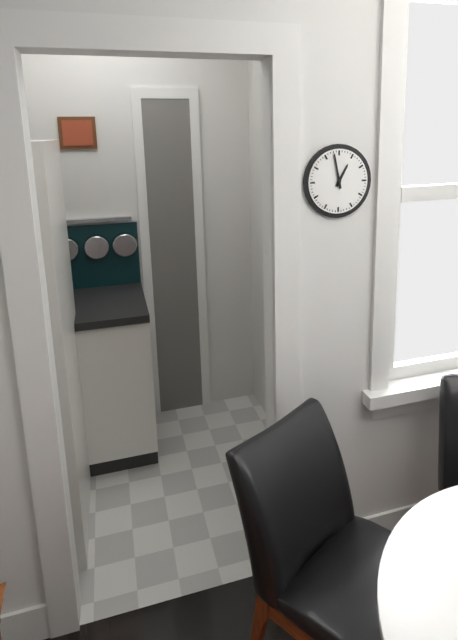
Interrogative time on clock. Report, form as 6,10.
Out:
12,58
